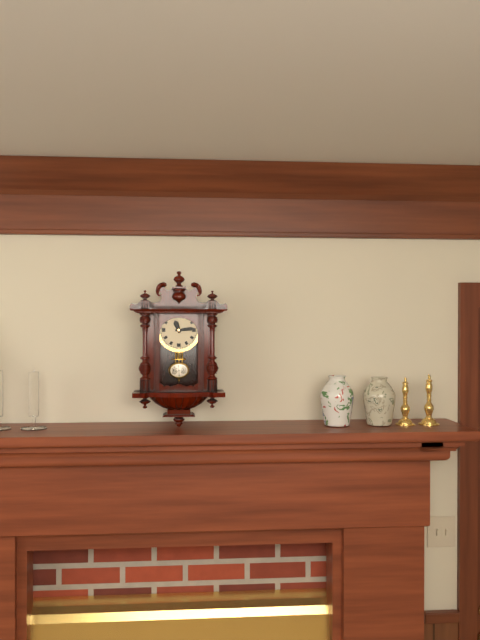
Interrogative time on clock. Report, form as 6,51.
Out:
11,14
